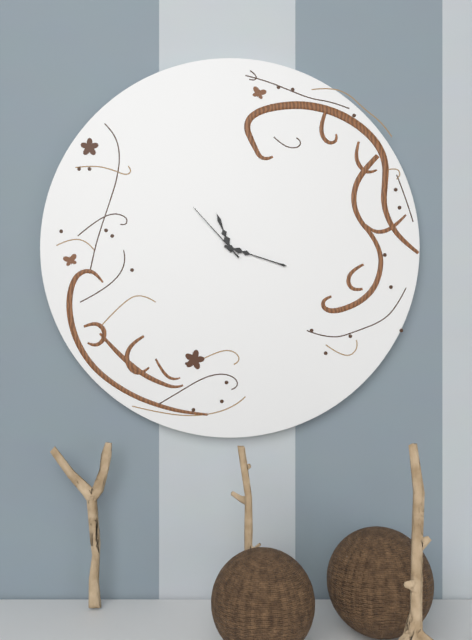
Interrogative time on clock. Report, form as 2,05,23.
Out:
11,18,53
